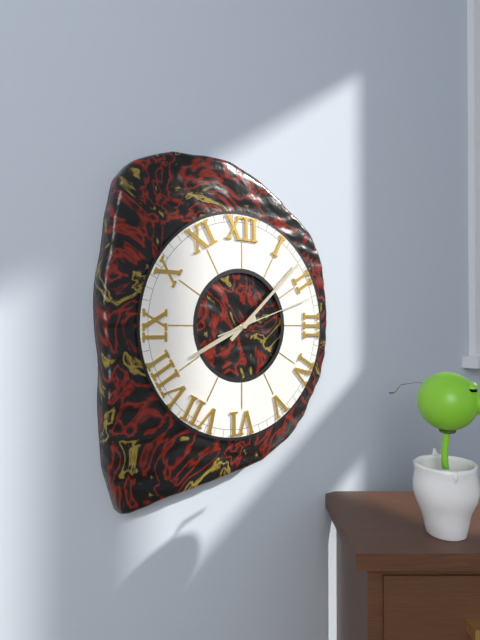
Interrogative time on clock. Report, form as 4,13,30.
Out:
8,08,12
